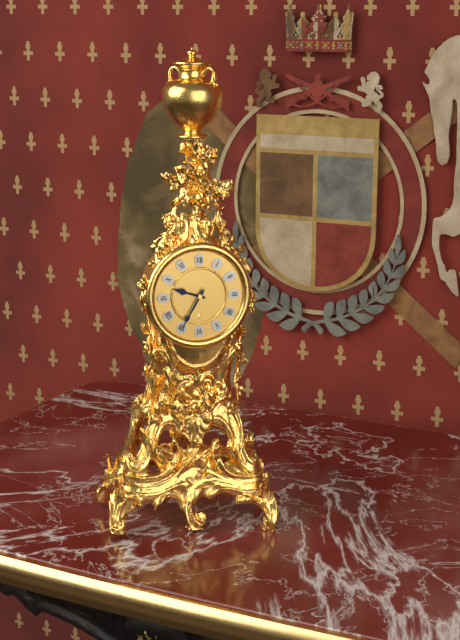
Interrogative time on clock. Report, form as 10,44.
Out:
9,35
